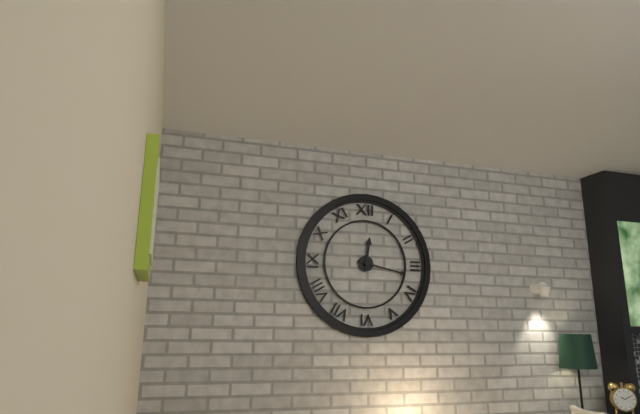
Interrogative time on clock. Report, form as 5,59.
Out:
12,17
